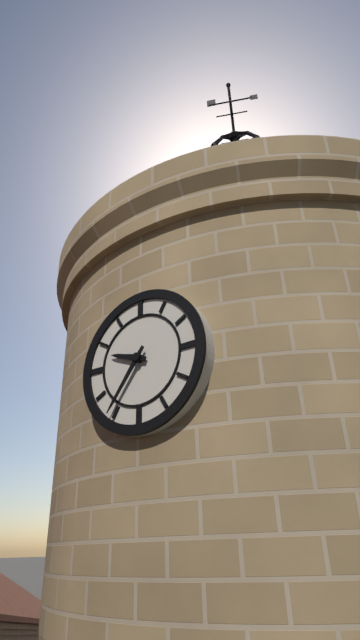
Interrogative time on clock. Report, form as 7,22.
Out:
9,36
